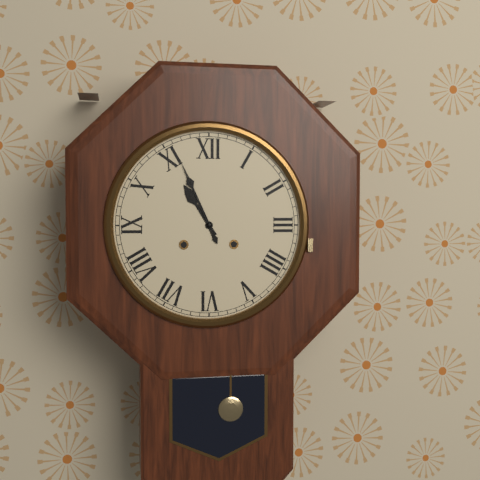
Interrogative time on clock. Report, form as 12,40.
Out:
10,56
